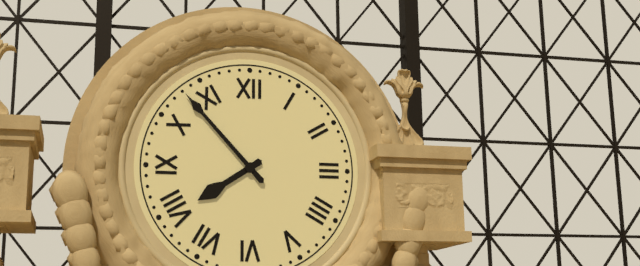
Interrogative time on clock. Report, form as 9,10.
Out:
7,53
